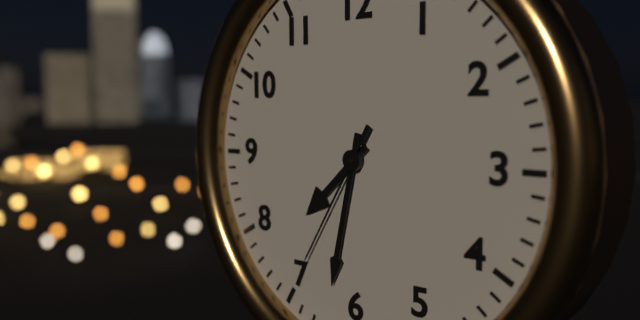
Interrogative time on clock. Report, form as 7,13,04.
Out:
7,32,35
